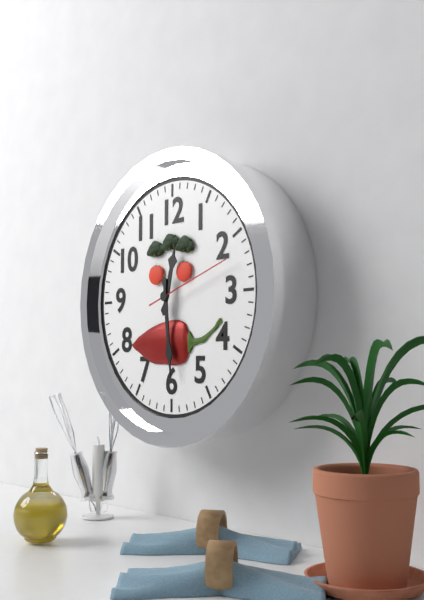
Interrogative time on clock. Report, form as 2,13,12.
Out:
12,29,12
